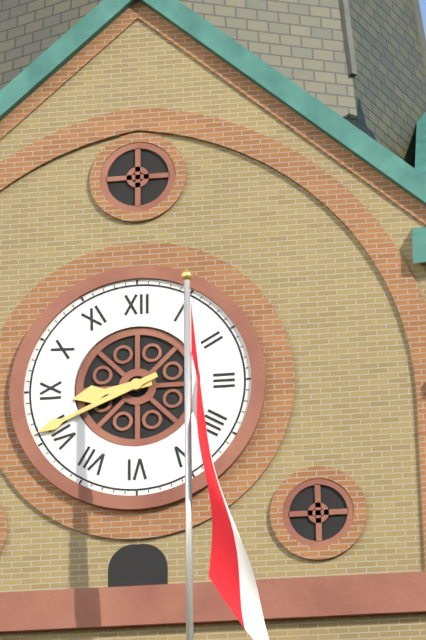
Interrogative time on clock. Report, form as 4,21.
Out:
8,41
